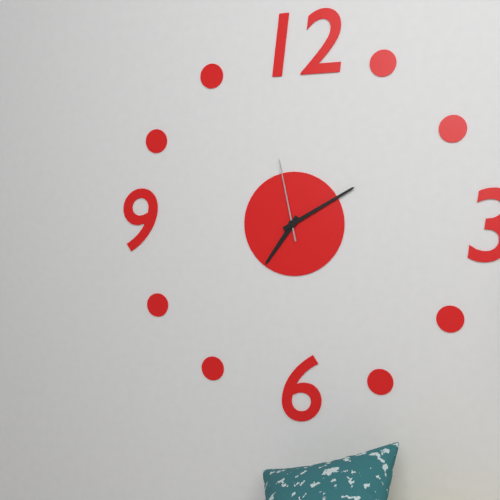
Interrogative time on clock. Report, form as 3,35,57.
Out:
7,10,58
